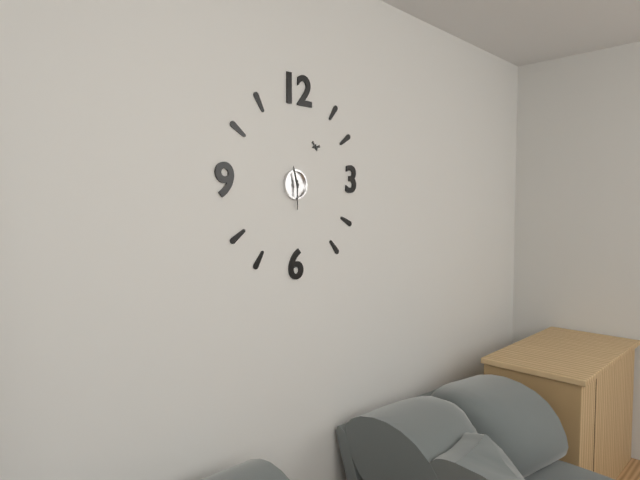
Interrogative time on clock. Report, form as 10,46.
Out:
11,30
